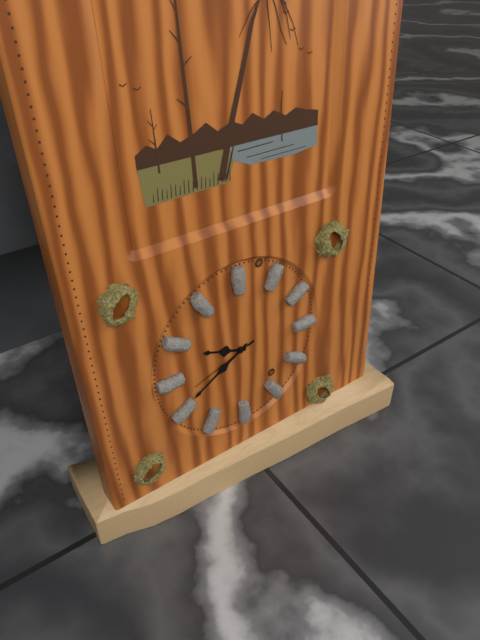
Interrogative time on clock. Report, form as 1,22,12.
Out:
9,40,42
